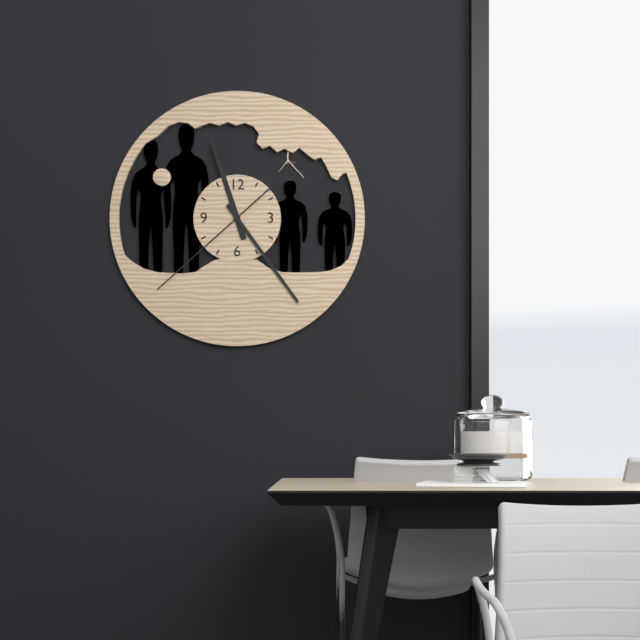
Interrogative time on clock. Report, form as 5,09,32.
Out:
11,24,38
